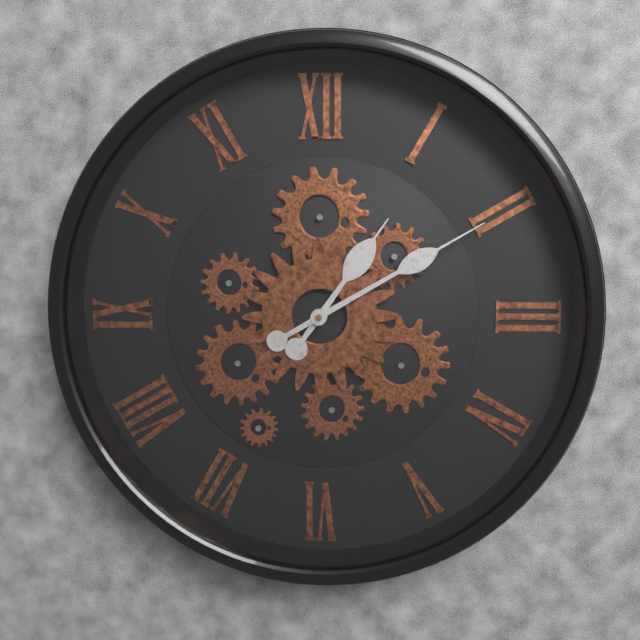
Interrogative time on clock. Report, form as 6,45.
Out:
1,10
